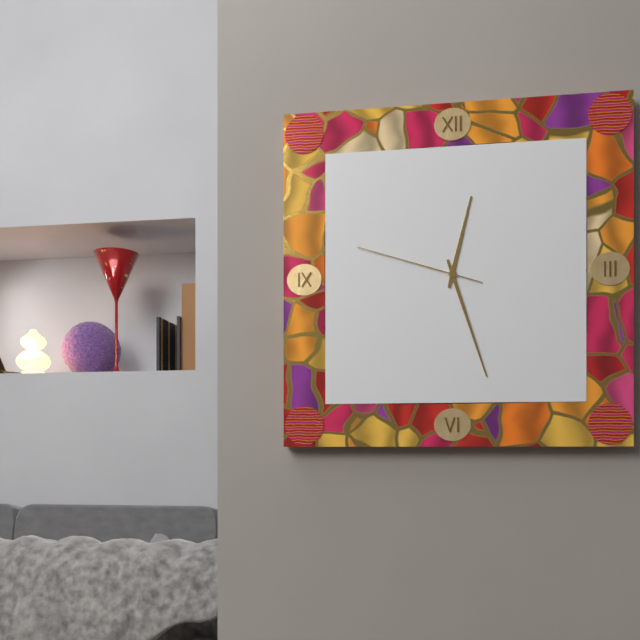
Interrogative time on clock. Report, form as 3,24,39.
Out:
12,27,48
